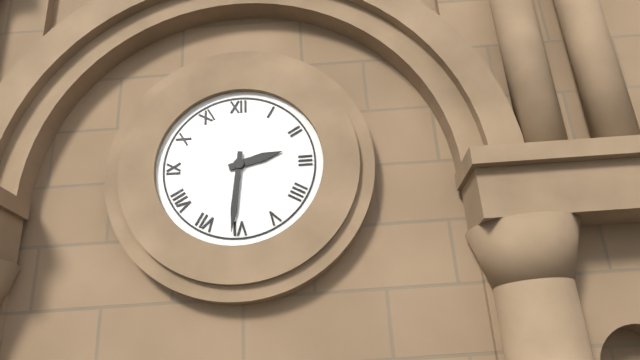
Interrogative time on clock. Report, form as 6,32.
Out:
2,31
